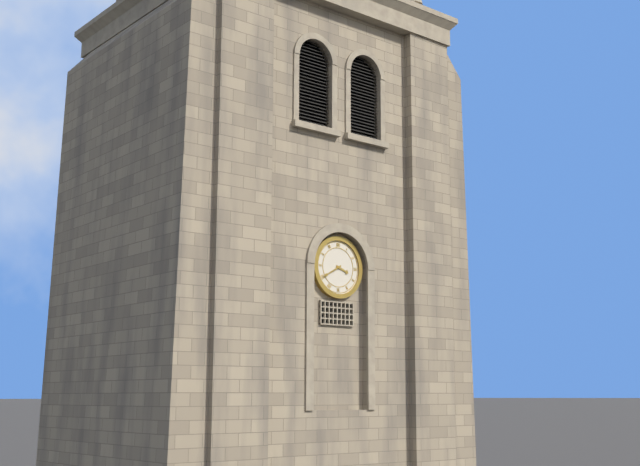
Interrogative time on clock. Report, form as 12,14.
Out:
3,40
